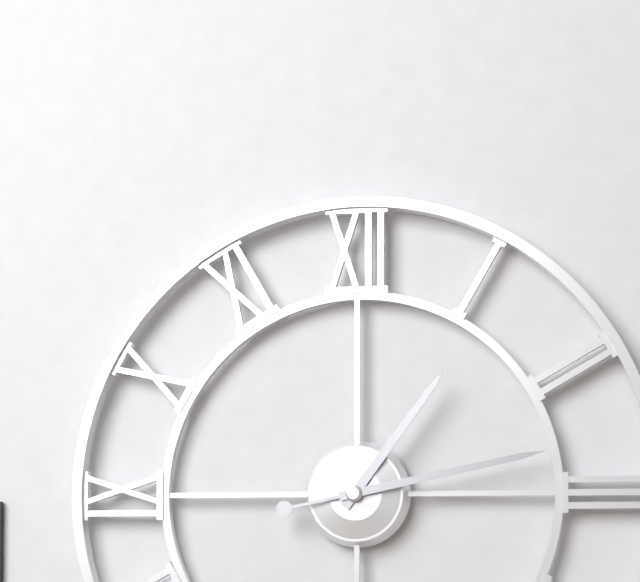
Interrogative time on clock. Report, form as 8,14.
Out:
1,13
